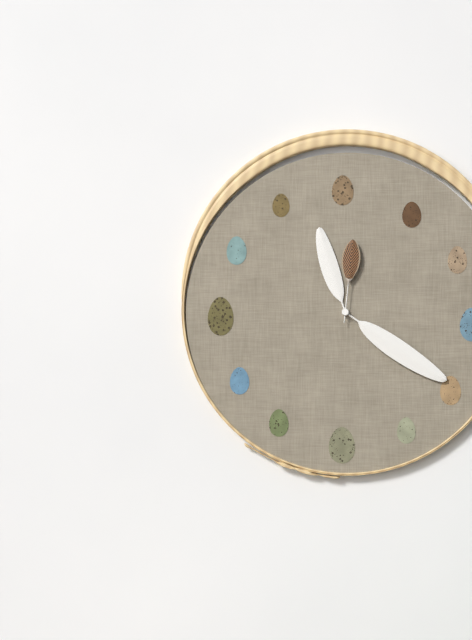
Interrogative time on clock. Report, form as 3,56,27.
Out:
11,21,01
